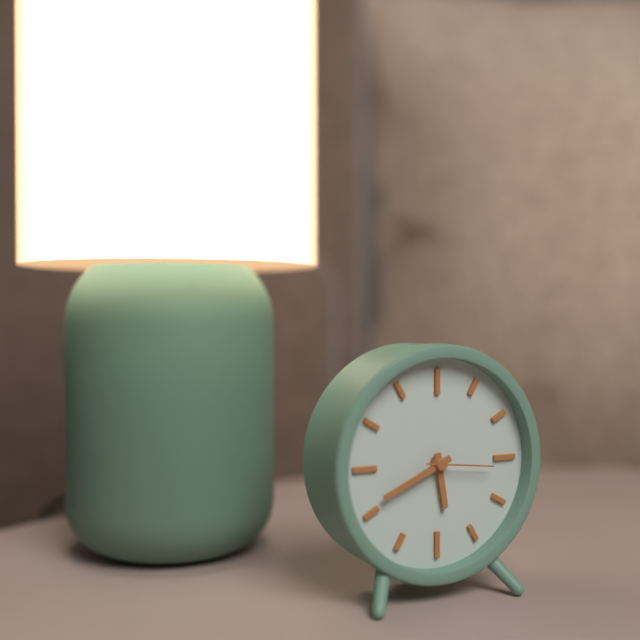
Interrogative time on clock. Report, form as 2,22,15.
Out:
5,41,16
